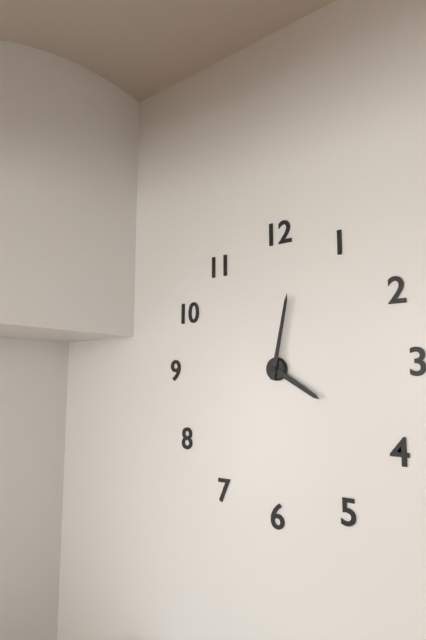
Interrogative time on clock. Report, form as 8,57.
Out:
4,02
